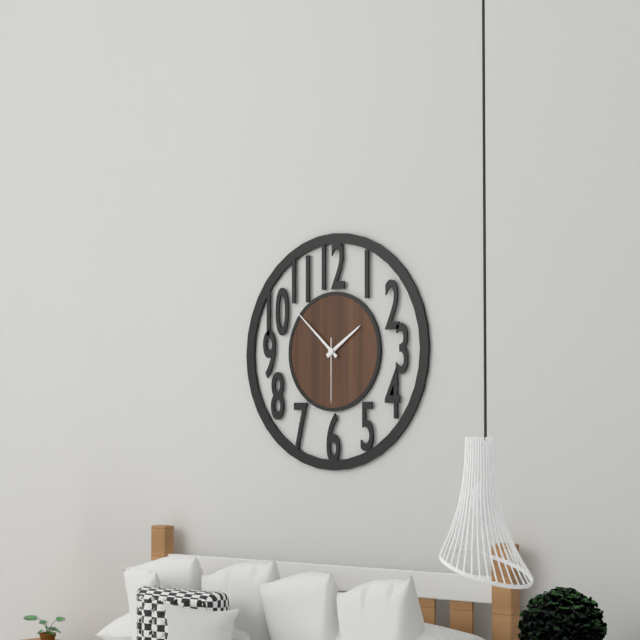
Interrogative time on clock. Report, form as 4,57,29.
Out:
1,52,30
